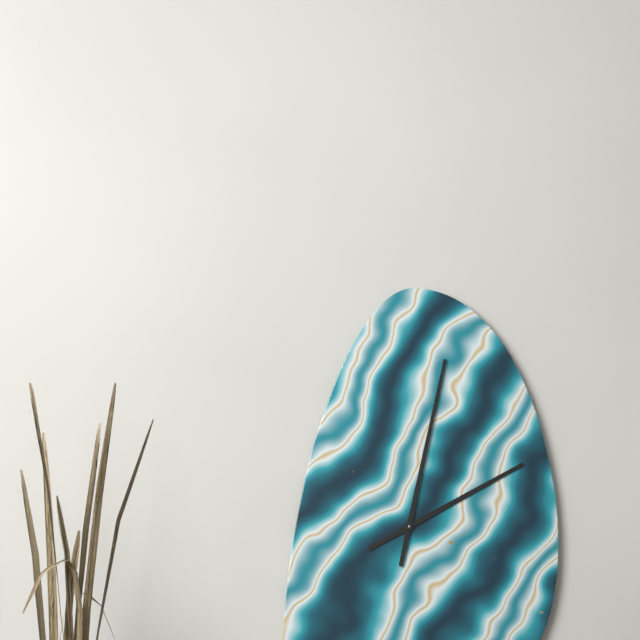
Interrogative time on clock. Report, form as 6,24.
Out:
2,02
